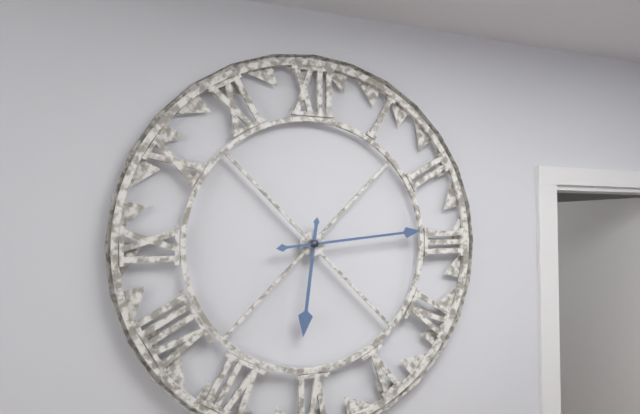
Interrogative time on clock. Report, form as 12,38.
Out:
6,14
